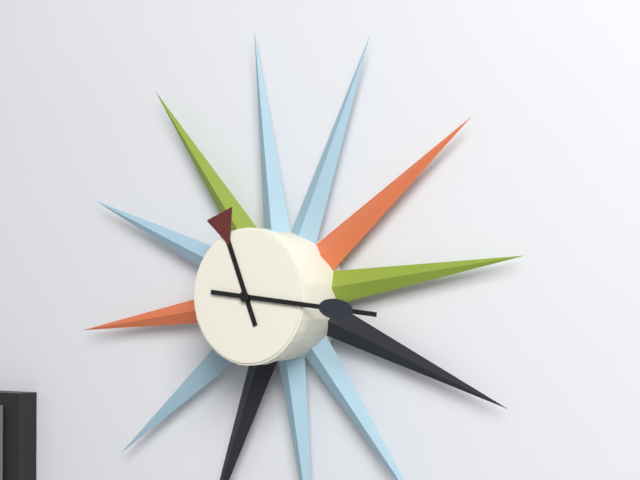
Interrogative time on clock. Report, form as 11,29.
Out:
11,16
